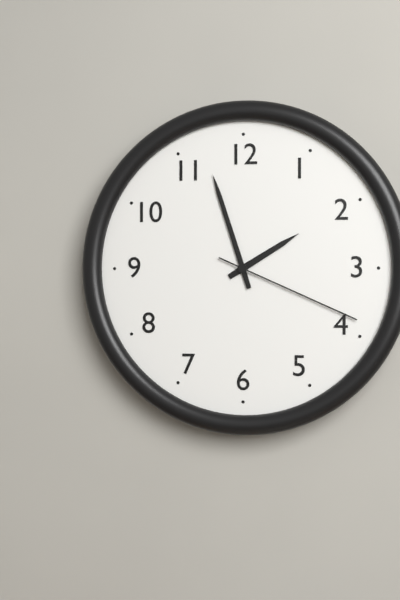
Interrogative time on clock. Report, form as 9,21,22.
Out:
1,57,19
